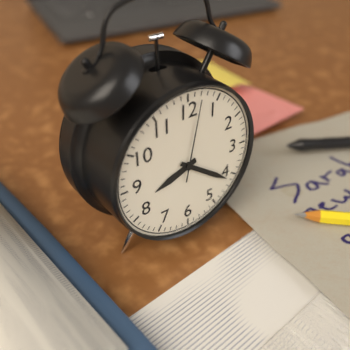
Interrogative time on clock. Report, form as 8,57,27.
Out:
8,21,02
